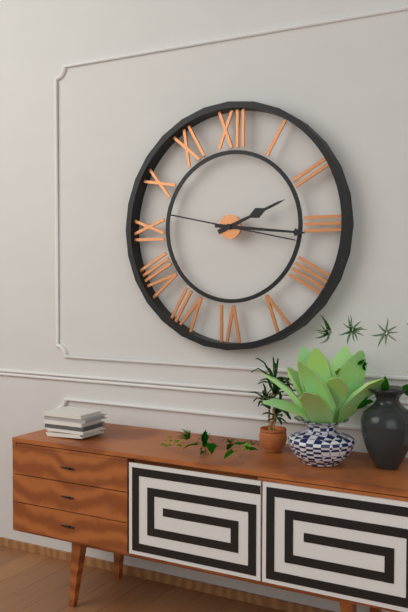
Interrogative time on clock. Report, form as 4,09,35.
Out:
2,16,17
